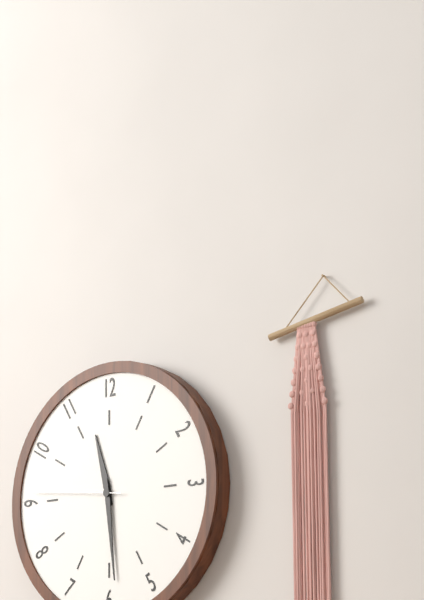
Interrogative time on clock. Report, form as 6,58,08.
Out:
11,29,46
